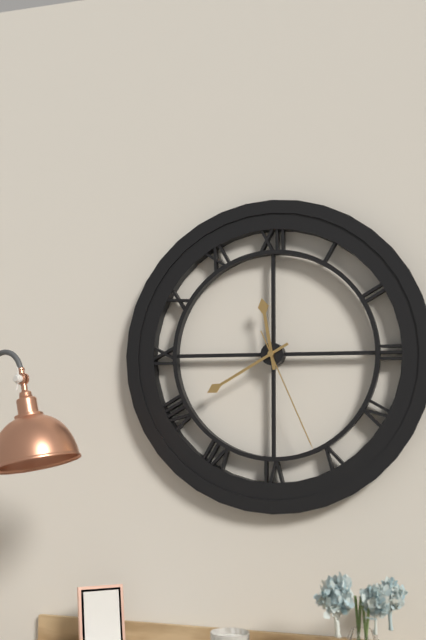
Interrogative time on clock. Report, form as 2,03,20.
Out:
11,40,26
